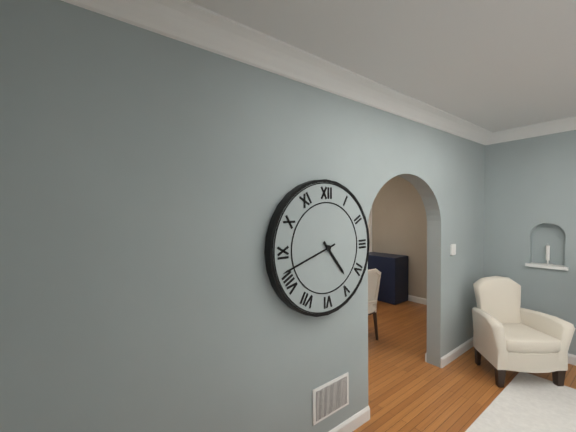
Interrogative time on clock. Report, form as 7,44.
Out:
4,42
